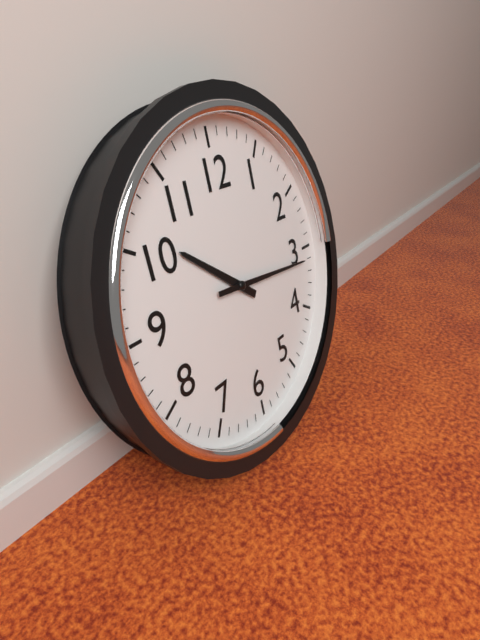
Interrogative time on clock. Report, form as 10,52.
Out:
10,16
